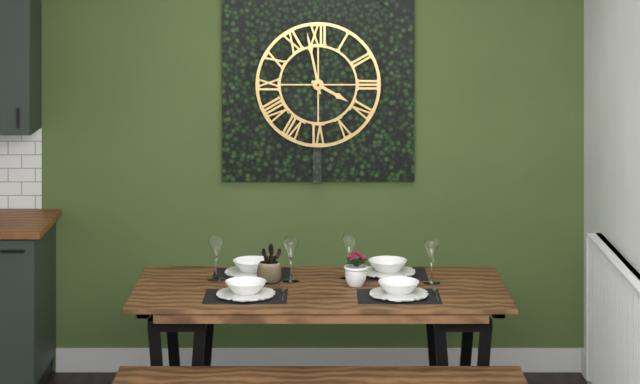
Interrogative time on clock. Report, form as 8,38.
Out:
3,58
